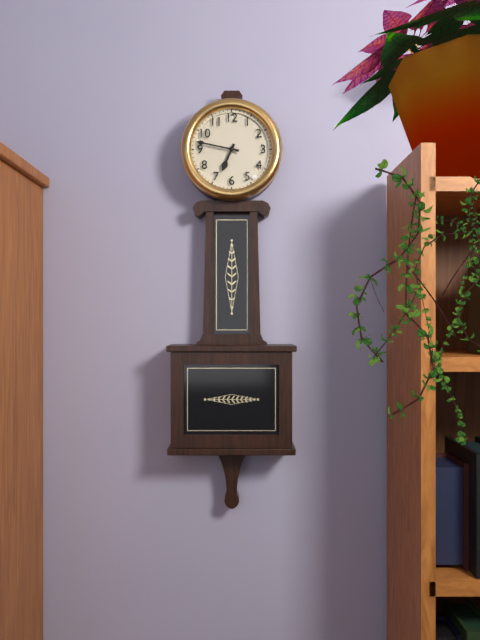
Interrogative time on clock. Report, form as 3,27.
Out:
6,47
